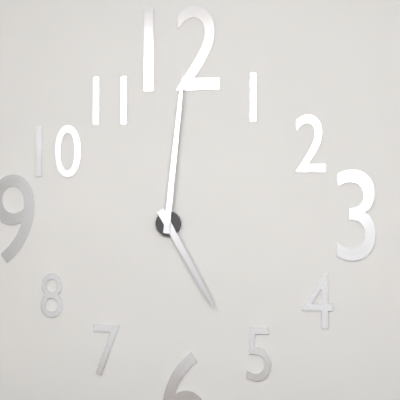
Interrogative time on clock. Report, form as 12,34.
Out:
5,01
